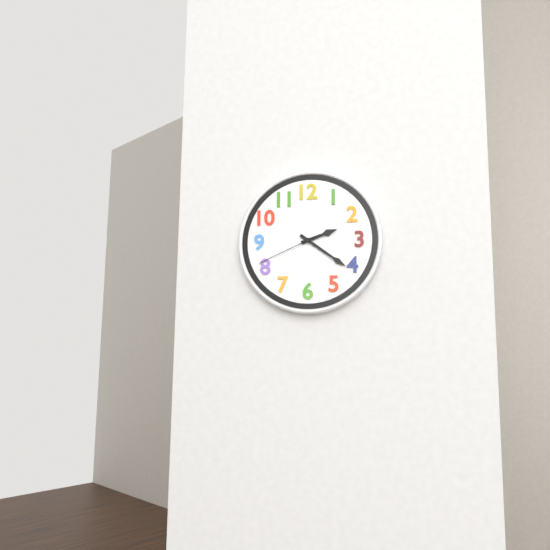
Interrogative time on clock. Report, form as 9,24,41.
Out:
2,21,41
